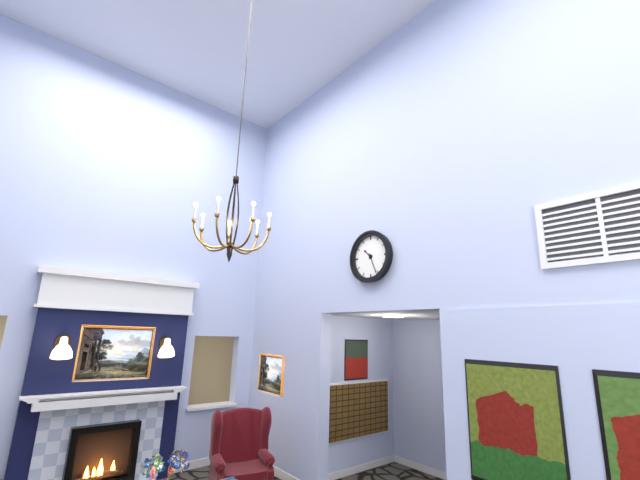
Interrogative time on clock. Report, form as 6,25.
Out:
10,26
